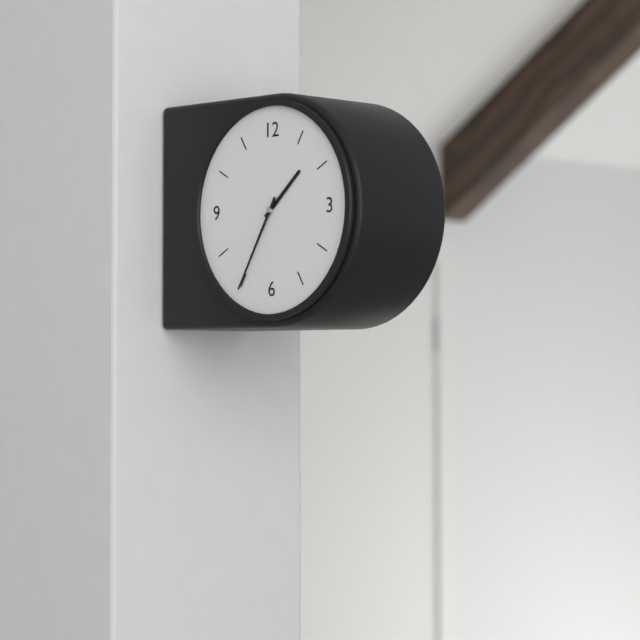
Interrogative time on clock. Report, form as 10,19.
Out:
1,35
